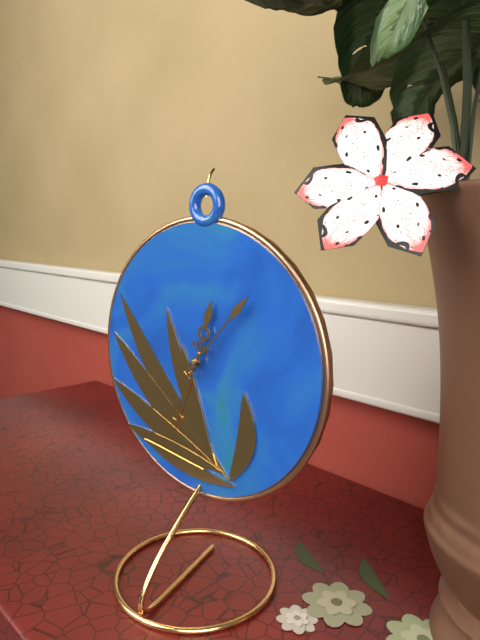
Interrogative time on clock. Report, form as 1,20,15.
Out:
12,34,07
